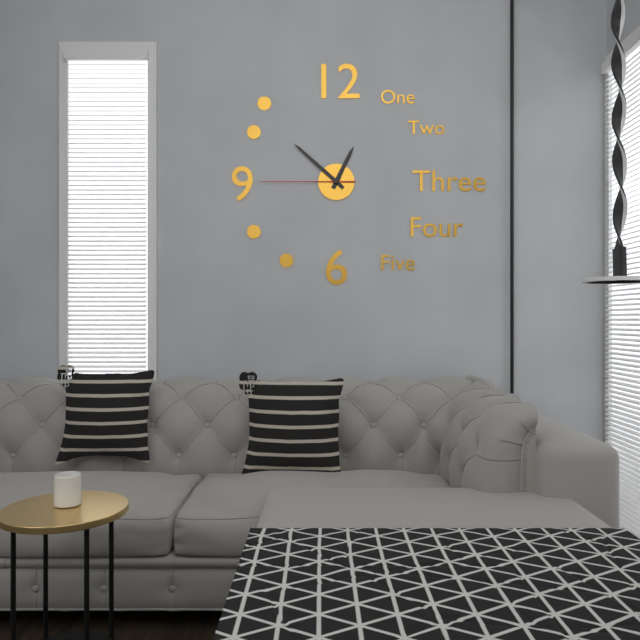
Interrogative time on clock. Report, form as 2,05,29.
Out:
12,52,45
